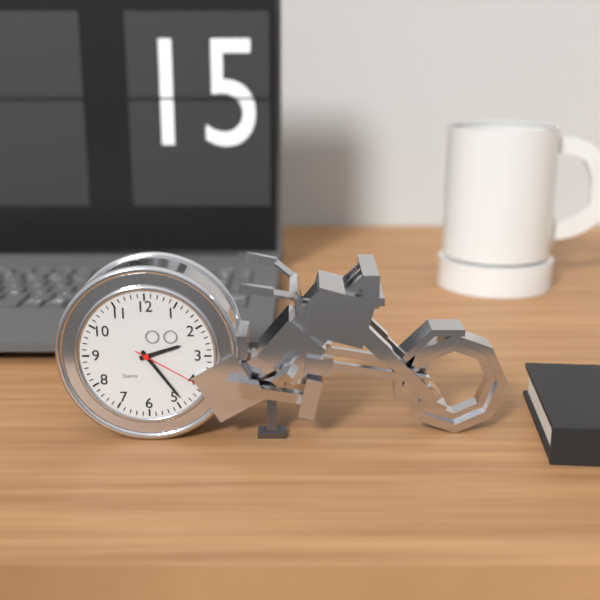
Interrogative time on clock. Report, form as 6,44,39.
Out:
2,24,20
